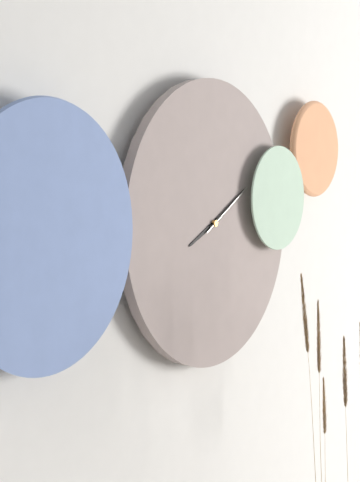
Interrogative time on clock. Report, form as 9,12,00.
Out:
8,10,10
